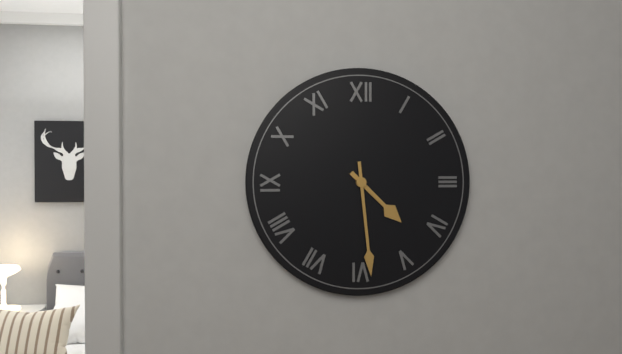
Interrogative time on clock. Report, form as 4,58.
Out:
4,29
